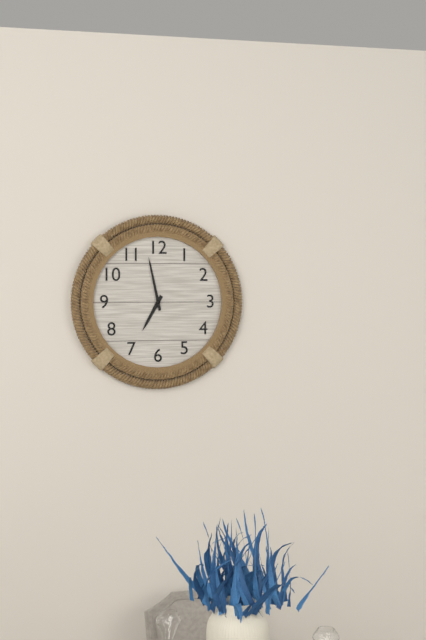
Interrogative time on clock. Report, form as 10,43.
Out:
6,58
